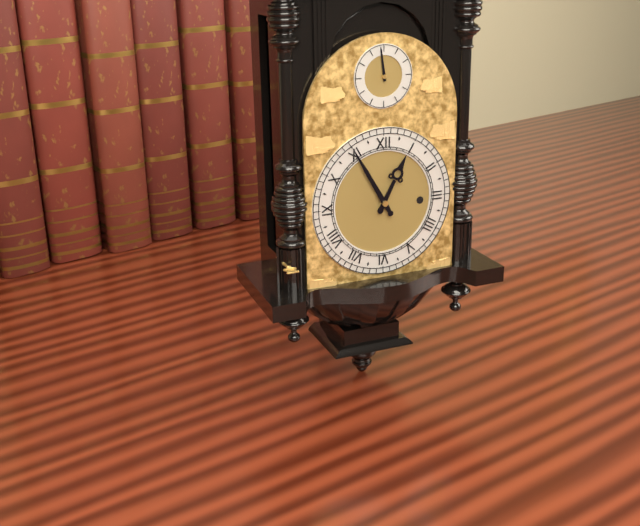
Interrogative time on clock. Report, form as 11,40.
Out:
12,55
